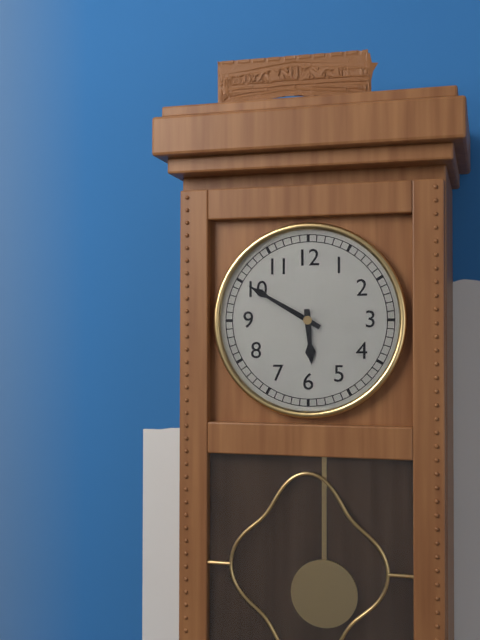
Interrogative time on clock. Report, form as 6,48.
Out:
5,50
